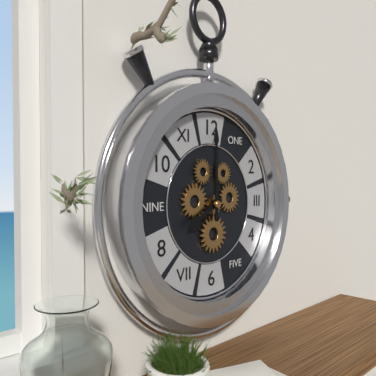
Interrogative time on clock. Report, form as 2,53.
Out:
8,00
